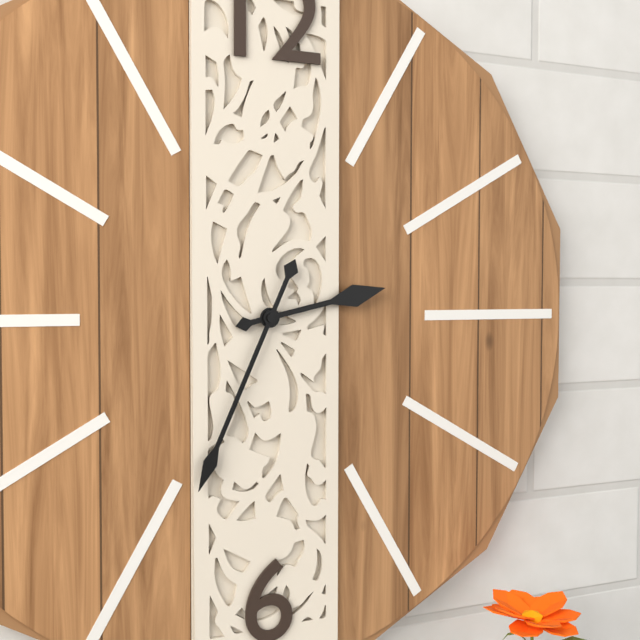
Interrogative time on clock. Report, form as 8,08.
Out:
2,34
